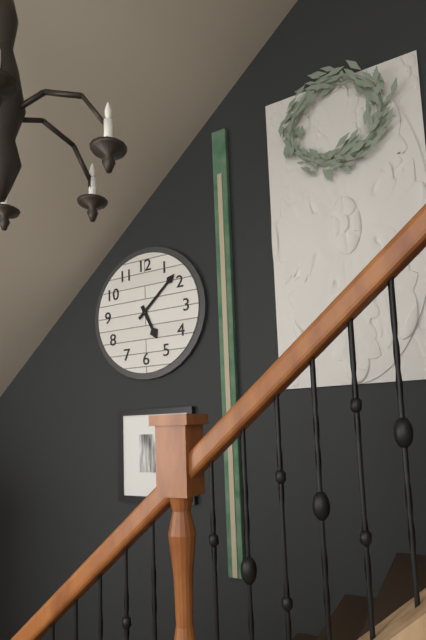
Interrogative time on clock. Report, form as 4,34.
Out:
5,08
